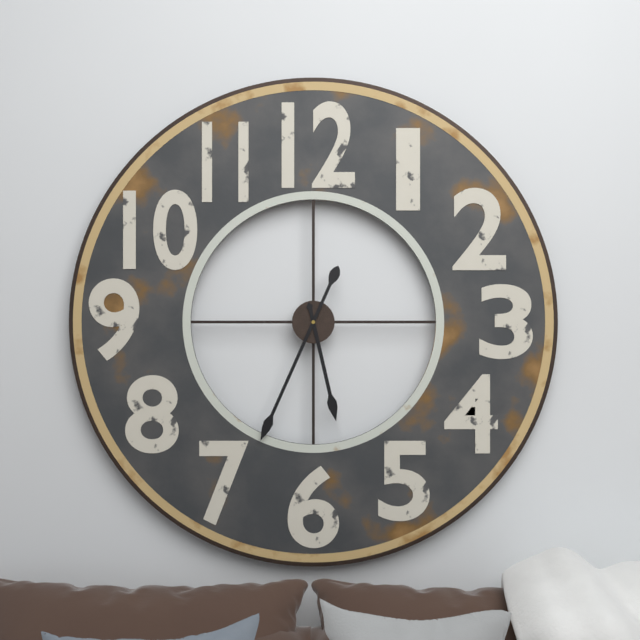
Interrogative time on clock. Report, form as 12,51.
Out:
5,34
